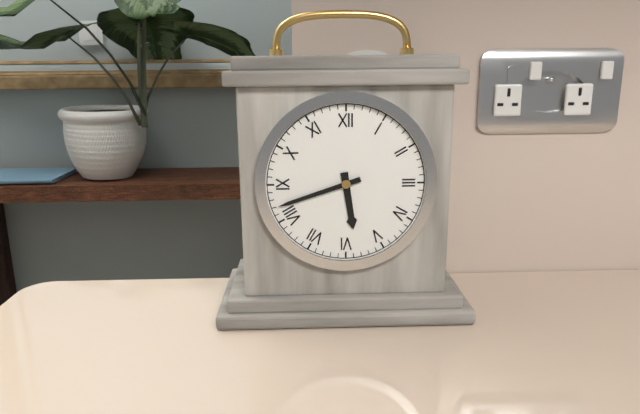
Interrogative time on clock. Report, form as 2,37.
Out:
5,42
